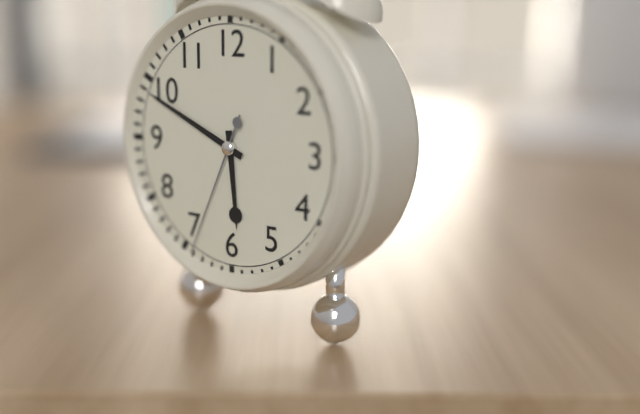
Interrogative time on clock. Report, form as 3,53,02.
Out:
5,49,34
